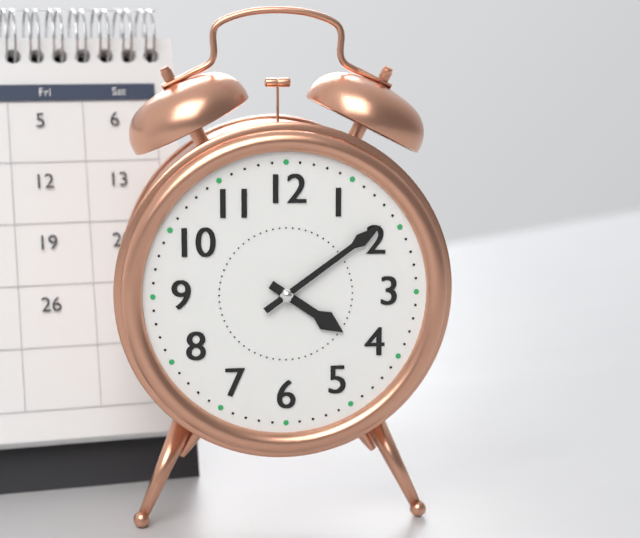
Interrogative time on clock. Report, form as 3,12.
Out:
4,09
